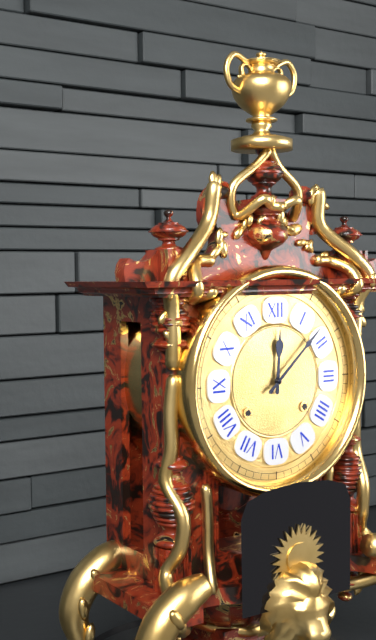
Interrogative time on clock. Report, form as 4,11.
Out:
12,08
